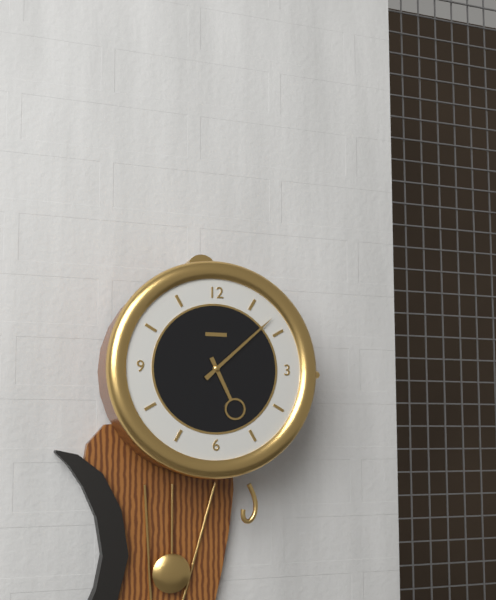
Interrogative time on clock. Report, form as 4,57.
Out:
5,08
